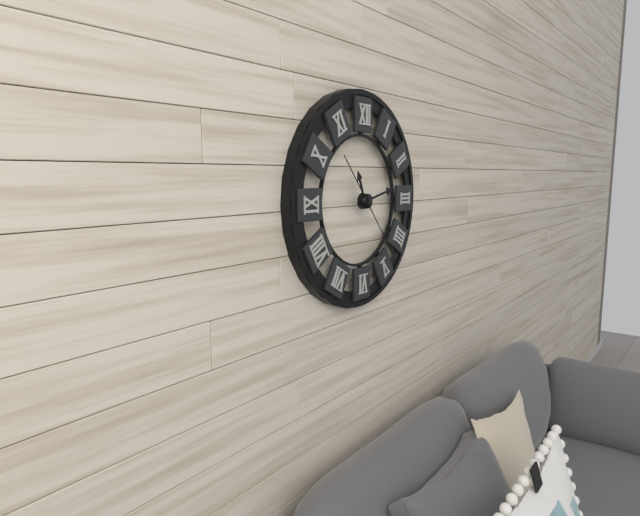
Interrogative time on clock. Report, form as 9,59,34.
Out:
11,13,53
